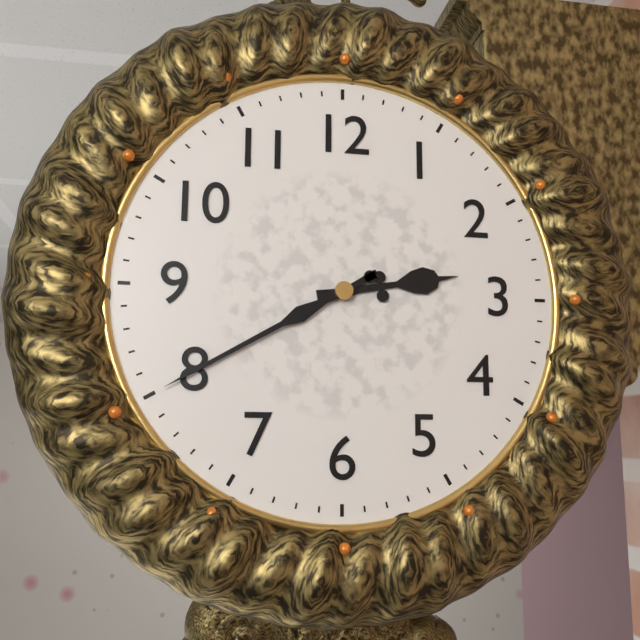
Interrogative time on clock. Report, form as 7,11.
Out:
2,40
